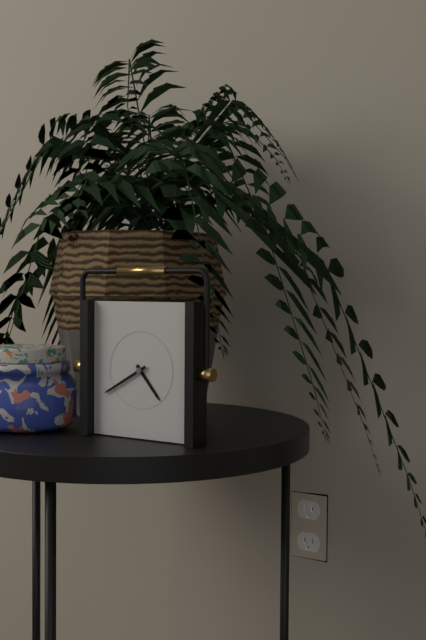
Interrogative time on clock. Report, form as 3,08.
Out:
4,40
